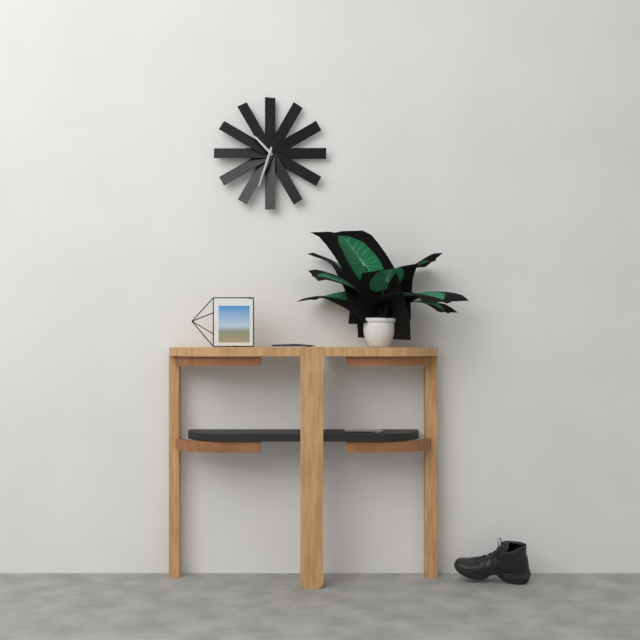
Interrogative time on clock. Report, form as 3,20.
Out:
10,33
